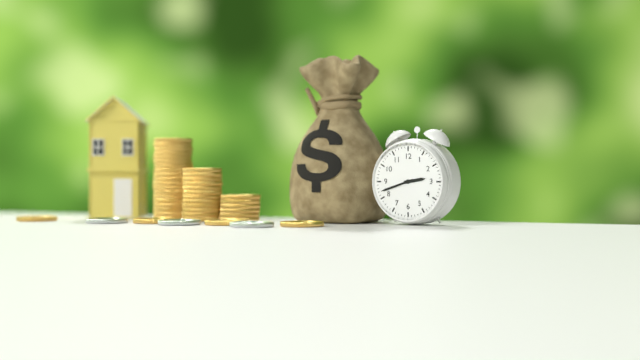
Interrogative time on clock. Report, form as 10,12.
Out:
2,42
